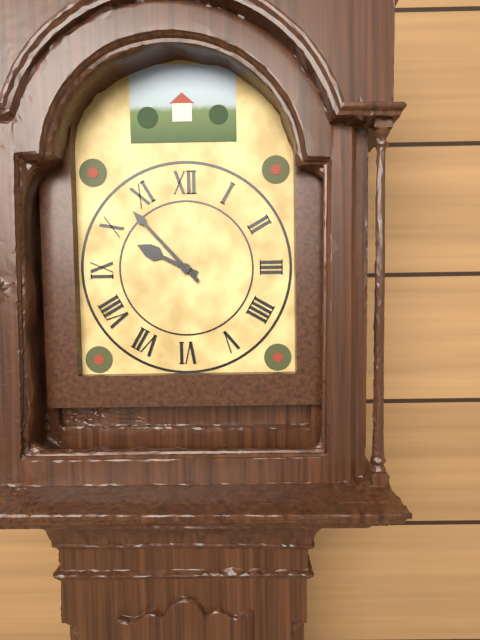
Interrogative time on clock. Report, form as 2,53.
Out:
9,53
